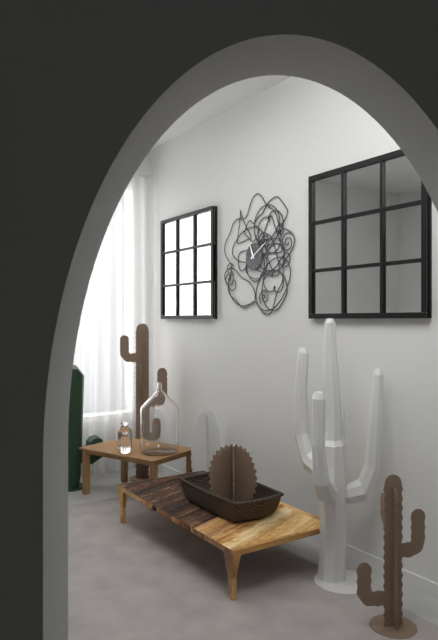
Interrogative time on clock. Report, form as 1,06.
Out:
11,10
